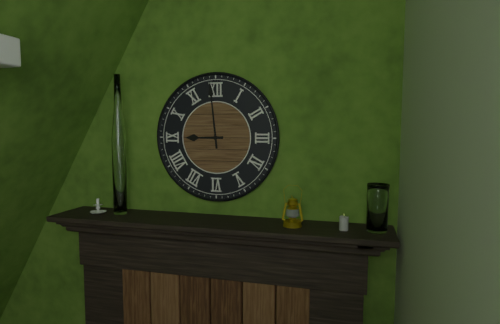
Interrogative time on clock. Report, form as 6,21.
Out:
8,59
